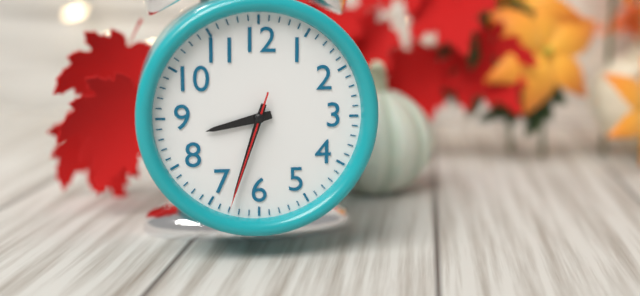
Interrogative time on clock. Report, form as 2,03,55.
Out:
8,33,33
